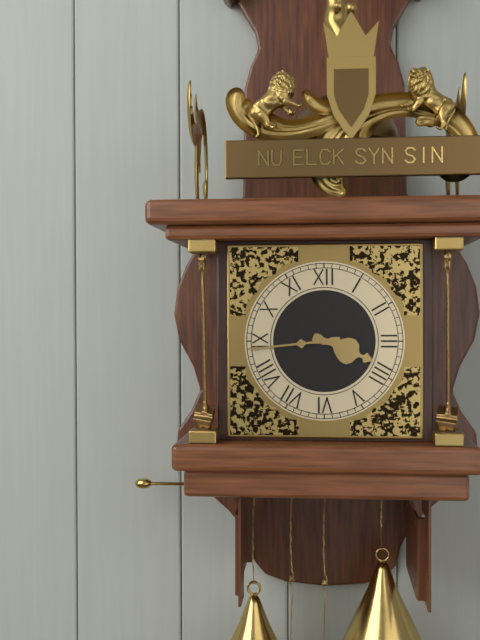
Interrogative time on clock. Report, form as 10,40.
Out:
3,44
